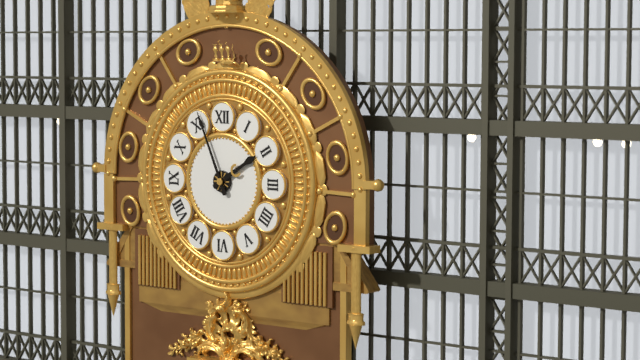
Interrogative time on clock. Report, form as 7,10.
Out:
1,56
